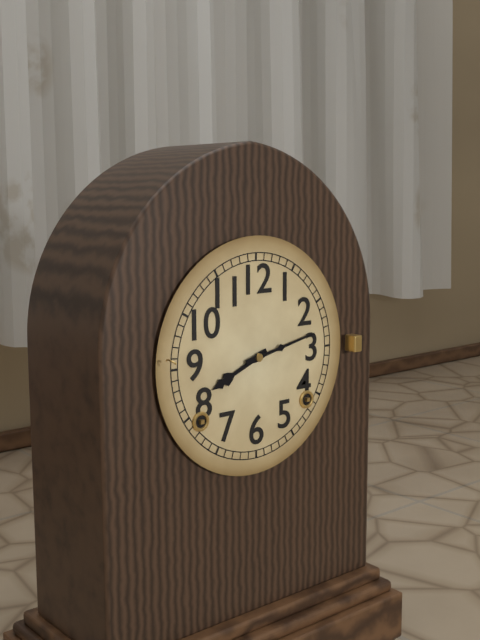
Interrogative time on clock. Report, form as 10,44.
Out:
8,13
